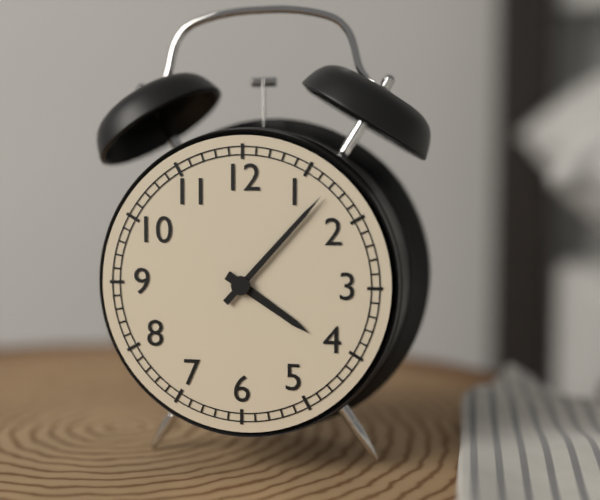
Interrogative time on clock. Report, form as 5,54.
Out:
4,07
